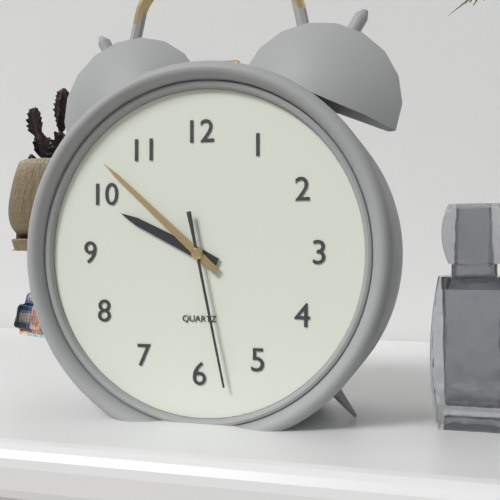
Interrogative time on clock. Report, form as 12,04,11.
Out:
9,52,28
